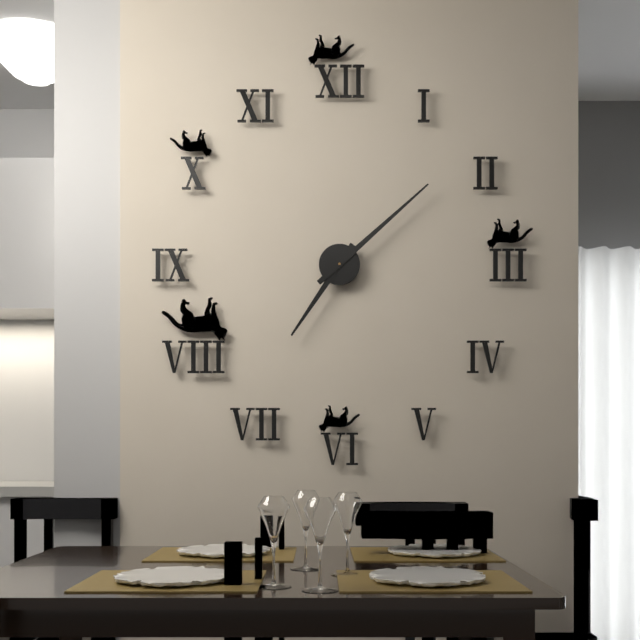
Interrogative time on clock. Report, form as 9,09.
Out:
7,08
